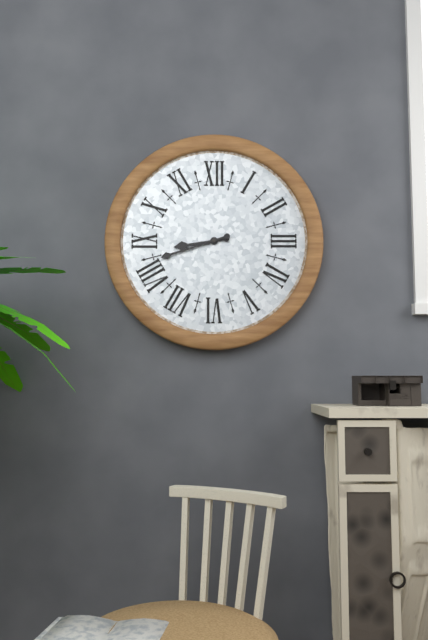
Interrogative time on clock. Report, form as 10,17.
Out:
8,42
